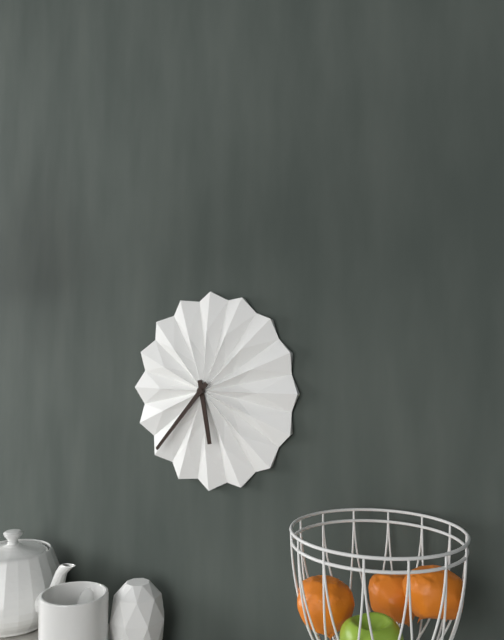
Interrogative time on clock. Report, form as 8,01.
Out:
5,37
